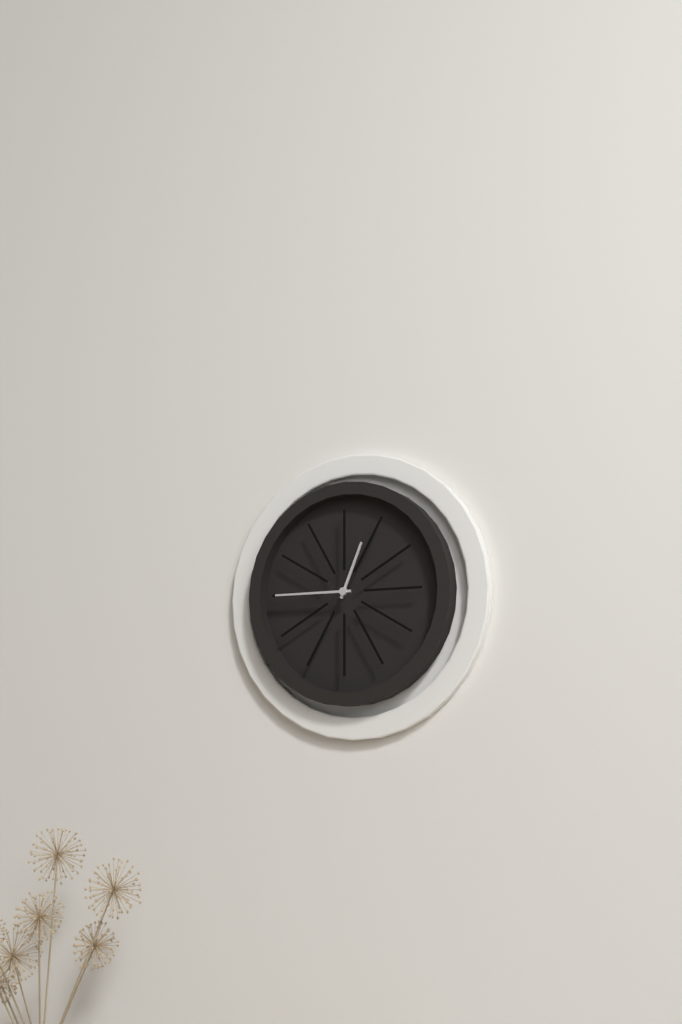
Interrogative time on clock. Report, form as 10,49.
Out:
12,45
